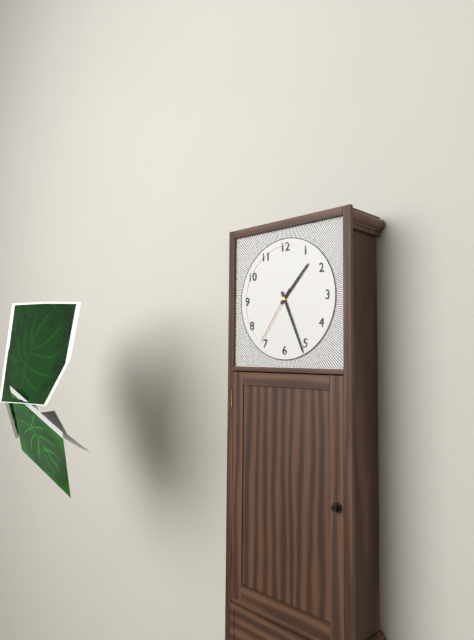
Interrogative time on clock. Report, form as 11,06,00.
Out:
1,26,36
